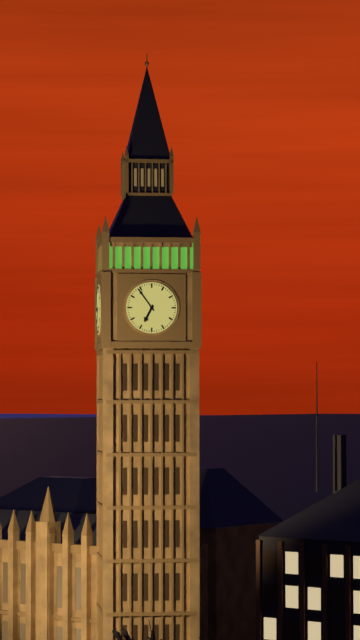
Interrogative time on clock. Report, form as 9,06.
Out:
6,54
